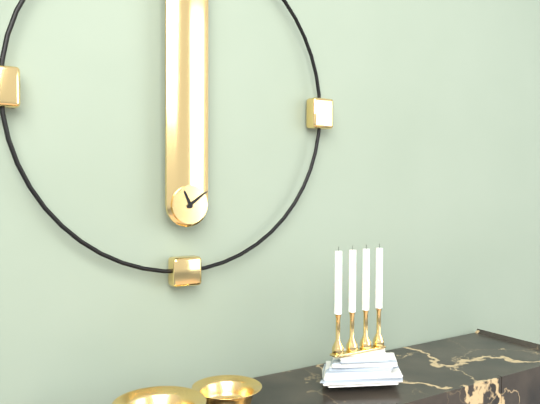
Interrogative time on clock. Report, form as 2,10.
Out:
11,09
